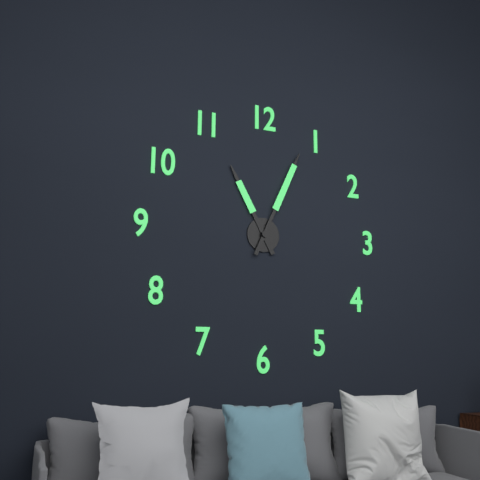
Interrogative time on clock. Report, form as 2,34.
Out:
11,04
